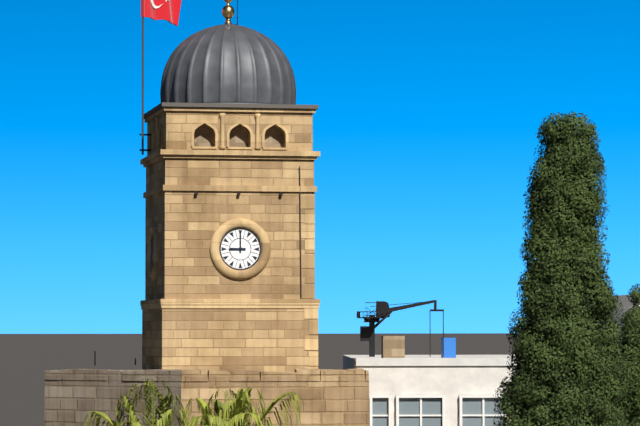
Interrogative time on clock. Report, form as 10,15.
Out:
9,00
